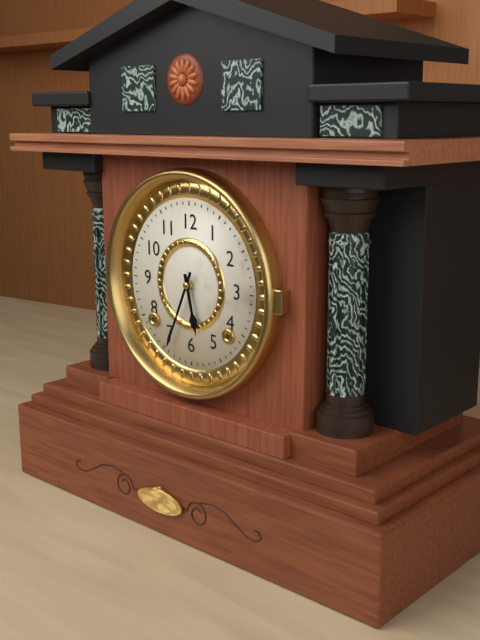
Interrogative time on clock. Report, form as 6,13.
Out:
5,34
